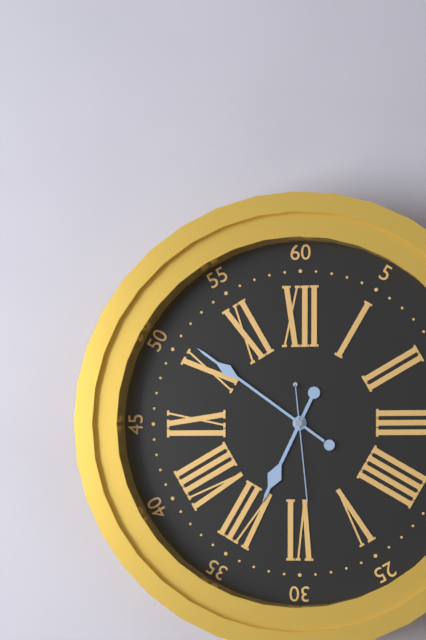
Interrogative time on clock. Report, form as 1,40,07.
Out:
6,51,29
